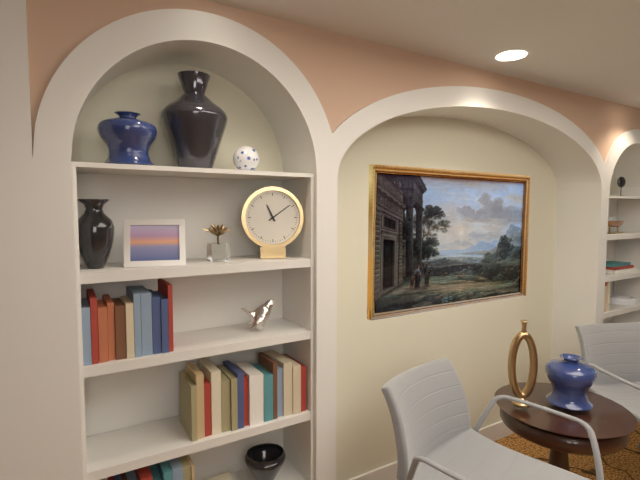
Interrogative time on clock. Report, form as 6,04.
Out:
11,09
